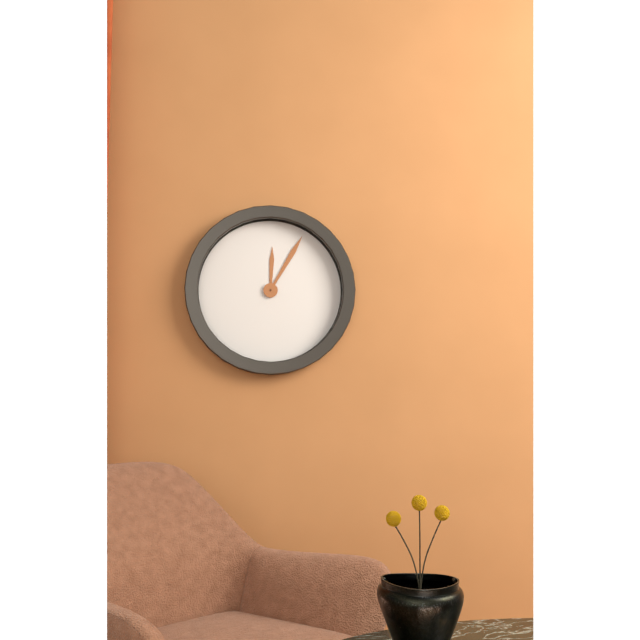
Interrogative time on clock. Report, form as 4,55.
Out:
12,05
